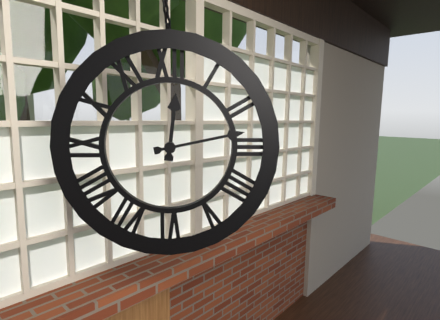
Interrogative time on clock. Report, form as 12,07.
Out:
12,13
